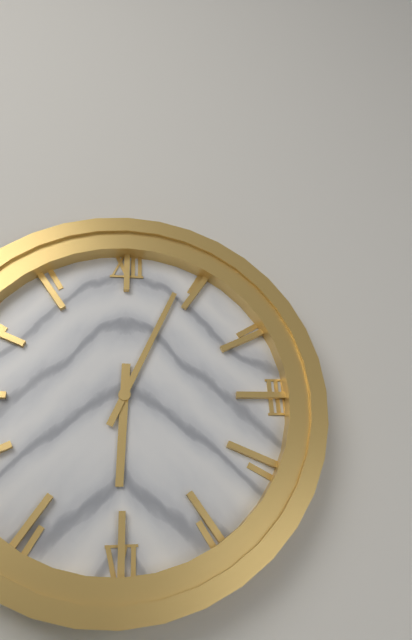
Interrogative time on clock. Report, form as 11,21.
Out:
6,04
